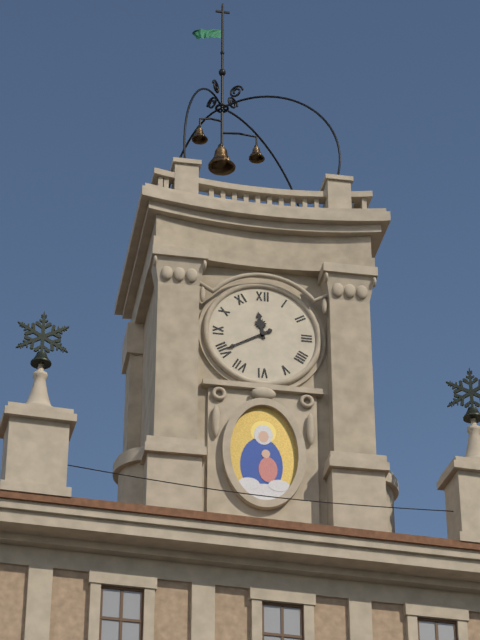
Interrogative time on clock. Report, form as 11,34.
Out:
11,40
